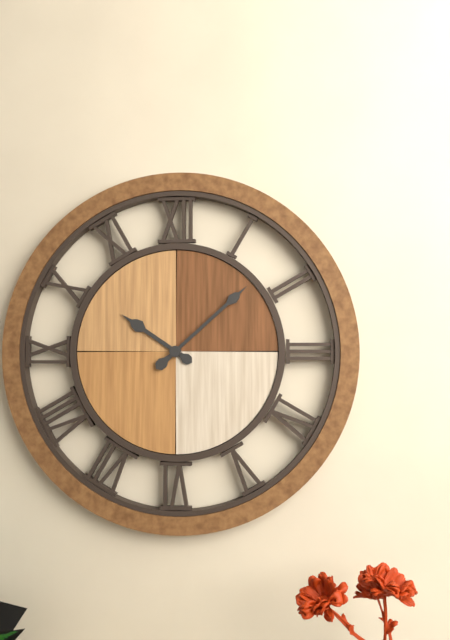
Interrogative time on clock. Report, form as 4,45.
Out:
10,08
